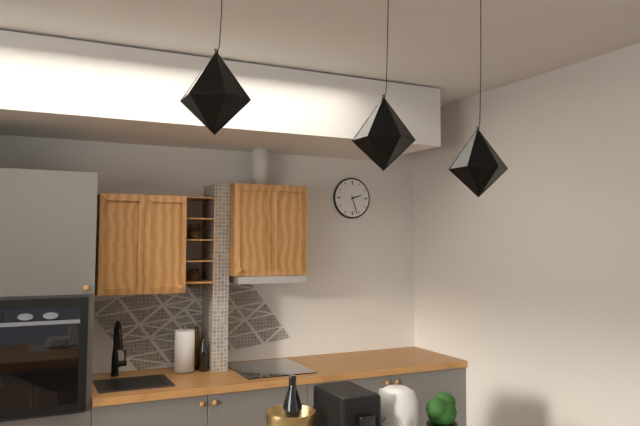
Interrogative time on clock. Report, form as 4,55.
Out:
2,27
